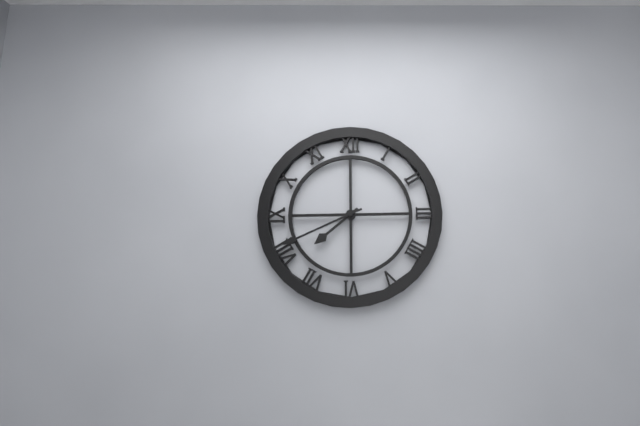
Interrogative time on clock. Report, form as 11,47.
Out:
7,41
